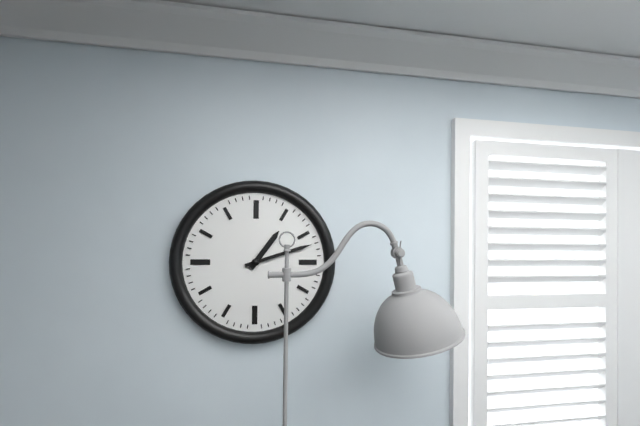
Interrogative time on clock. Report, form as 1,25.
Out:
1,12
